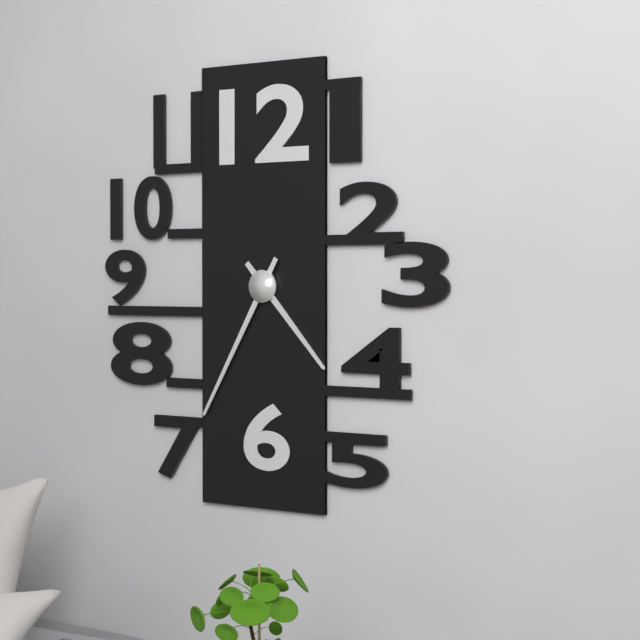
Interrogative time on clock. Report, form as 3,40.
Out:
4,35
